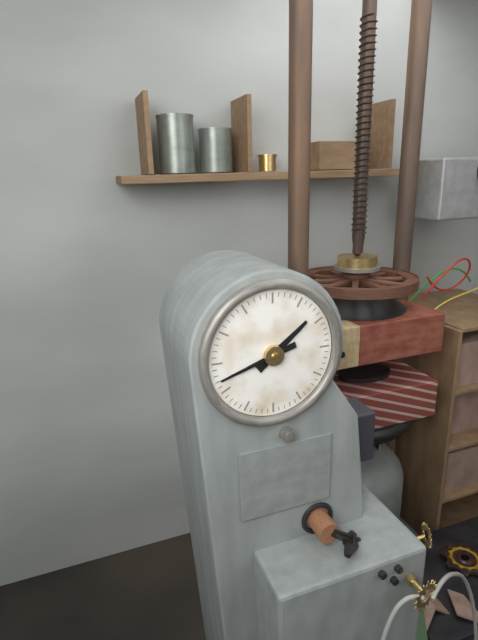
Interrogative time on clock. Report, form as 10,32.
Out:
1,42
